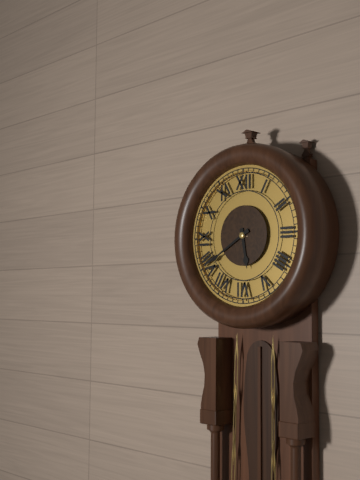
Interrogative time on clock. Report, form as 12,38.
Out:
5,40
